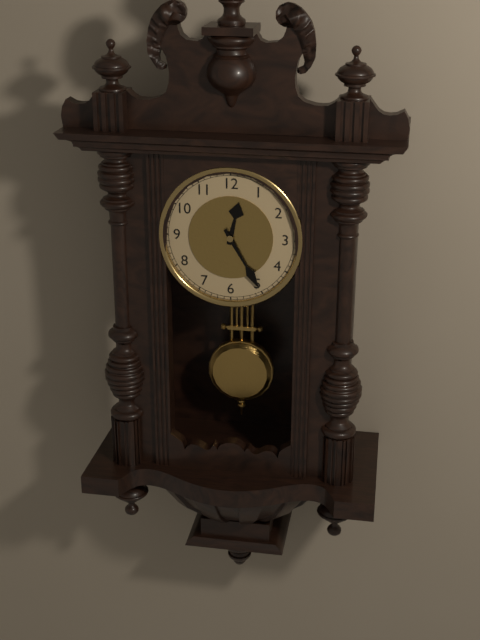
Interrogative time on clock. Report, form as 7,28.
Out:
12,25
